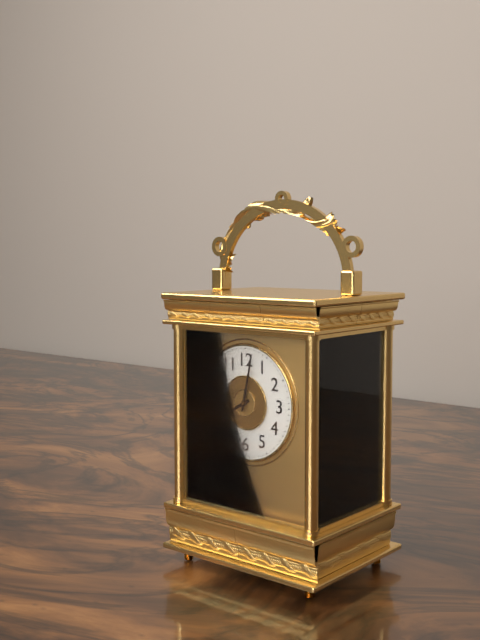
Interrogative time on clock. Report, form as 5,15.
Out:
8,02
